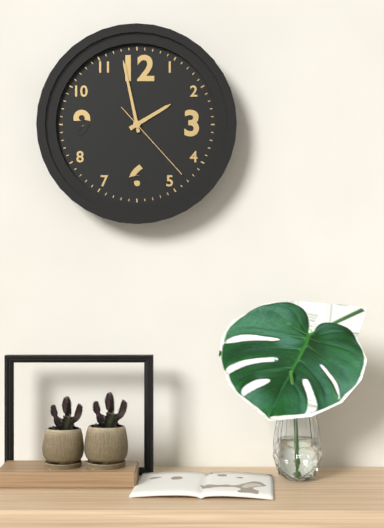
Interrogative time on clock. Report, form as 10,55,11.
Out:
1,58,23
